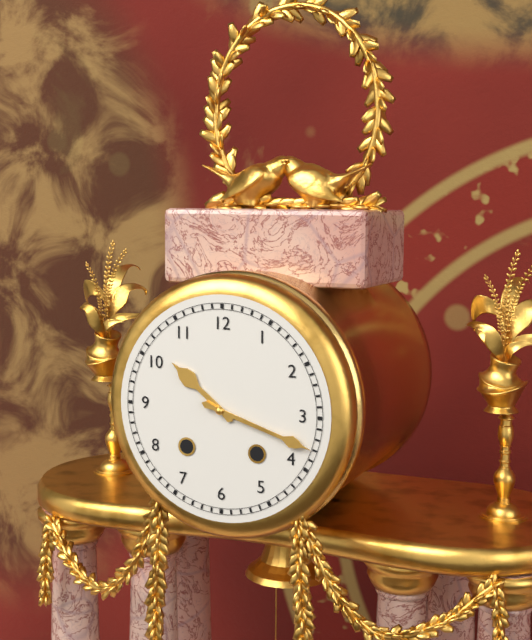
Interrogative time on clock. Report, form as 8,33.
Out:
10,18
